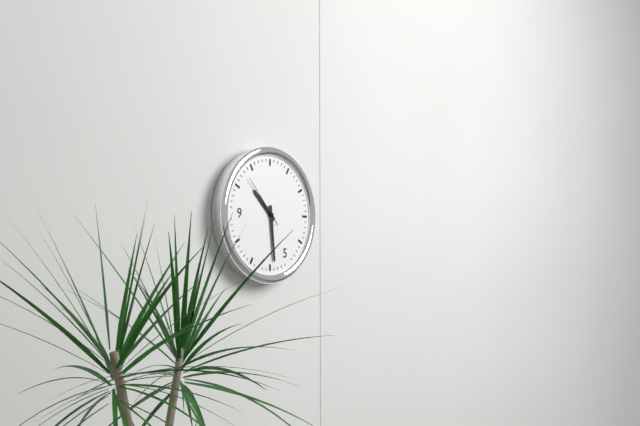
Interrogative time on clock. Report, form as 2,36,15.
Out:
10,29,53
